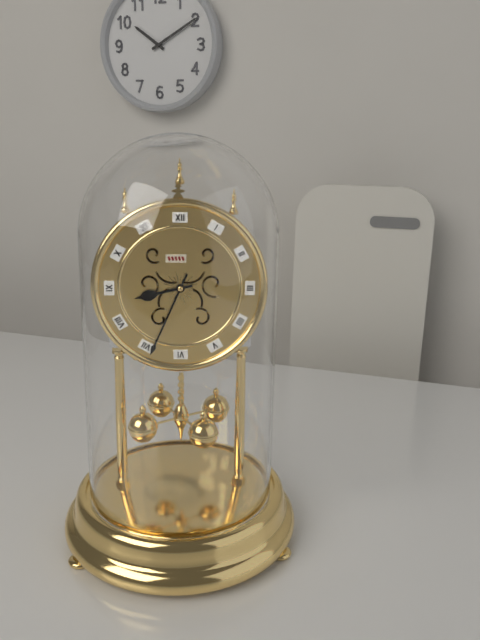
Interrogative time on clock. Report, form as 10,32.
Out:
8,34
